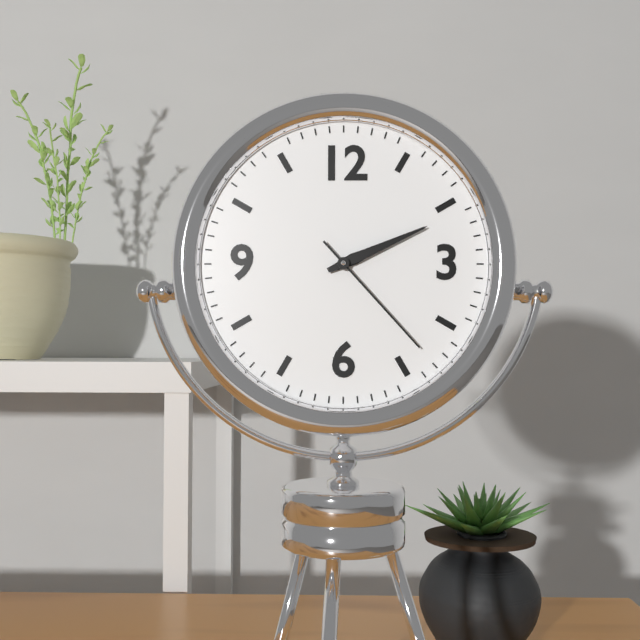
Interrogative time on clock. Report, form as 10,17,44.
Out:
2,11,23
